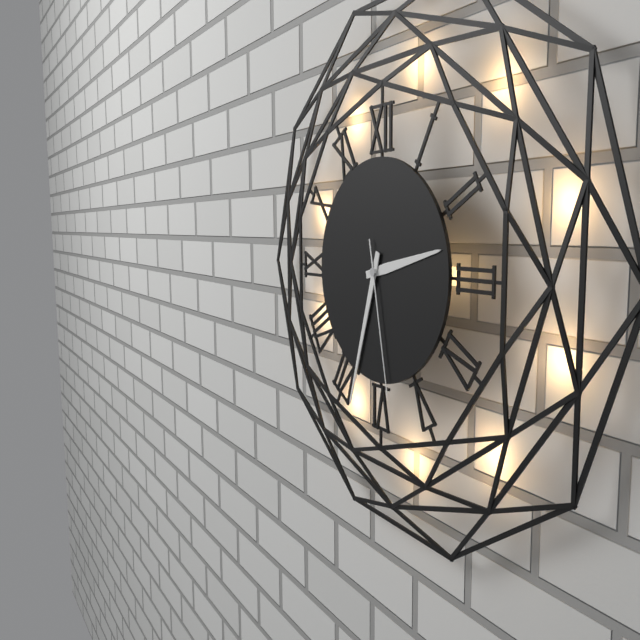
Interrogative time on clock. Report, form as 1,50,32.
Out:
2,33,28
